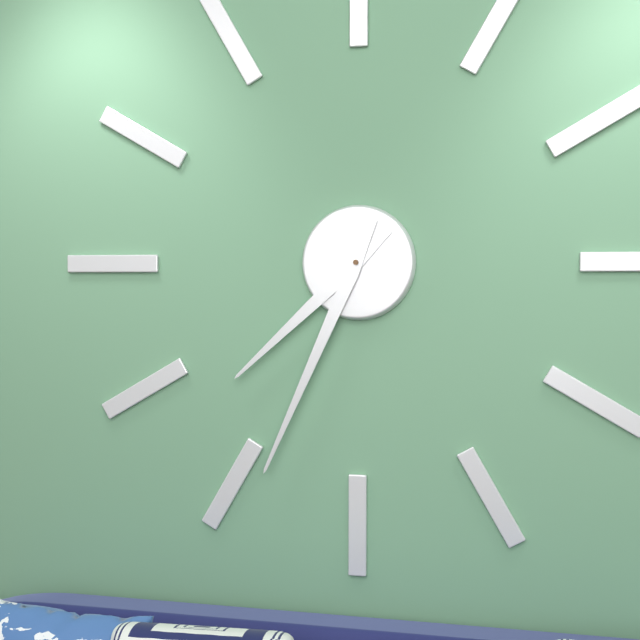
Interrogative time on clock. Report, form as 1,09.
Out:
7,34
